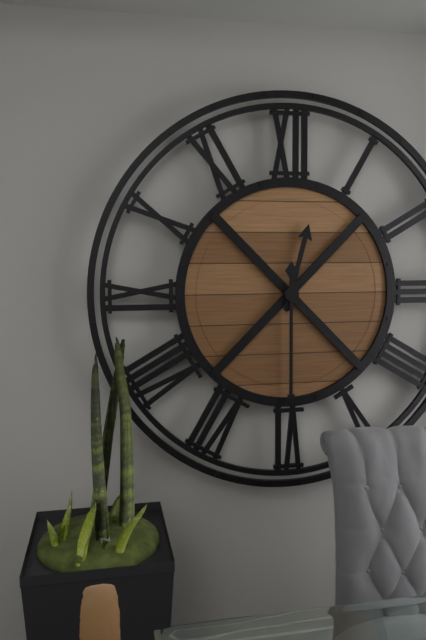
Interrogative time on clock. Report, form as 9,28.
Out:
12,30
